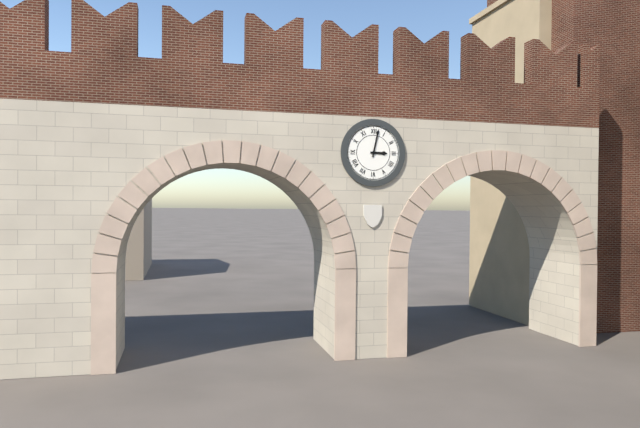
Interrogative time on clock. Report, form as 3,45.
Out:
3,02
